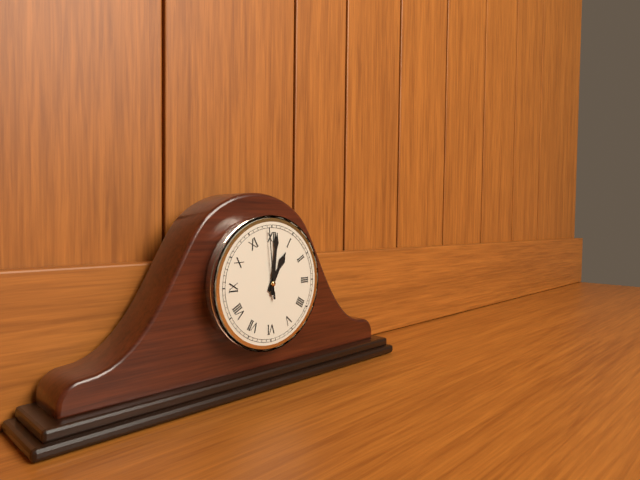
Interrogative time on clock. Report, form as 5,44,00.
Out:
1,01,59
